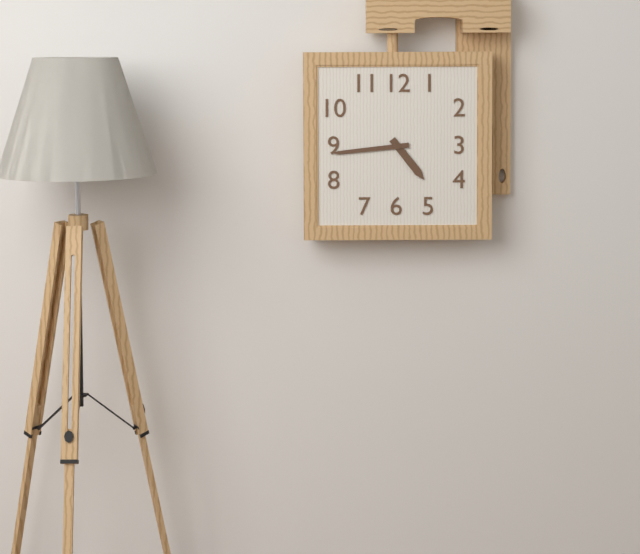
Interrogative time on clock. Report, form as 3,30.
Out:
4,44
